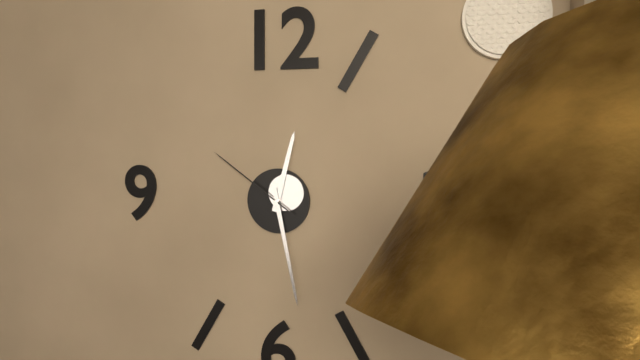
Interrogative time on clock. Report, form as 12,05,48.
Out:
12,28,51
